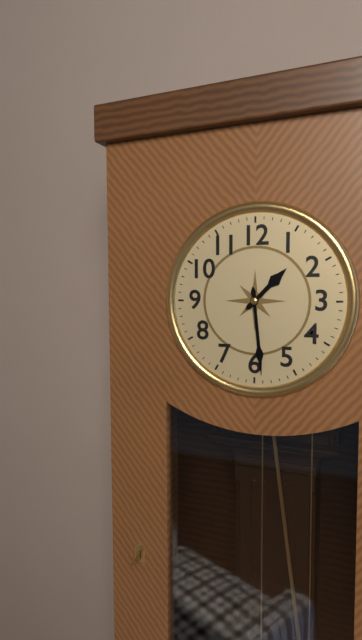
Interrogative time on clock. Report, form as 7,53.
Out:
1,29
